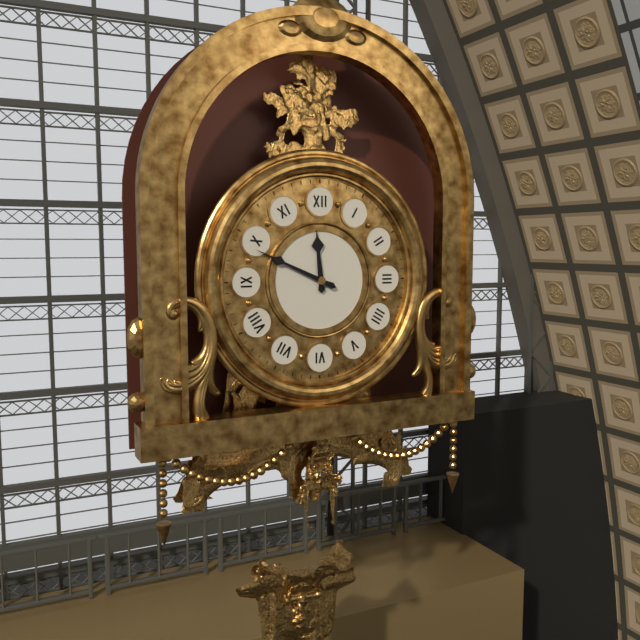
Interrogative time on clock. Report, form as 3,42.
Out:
11,49
